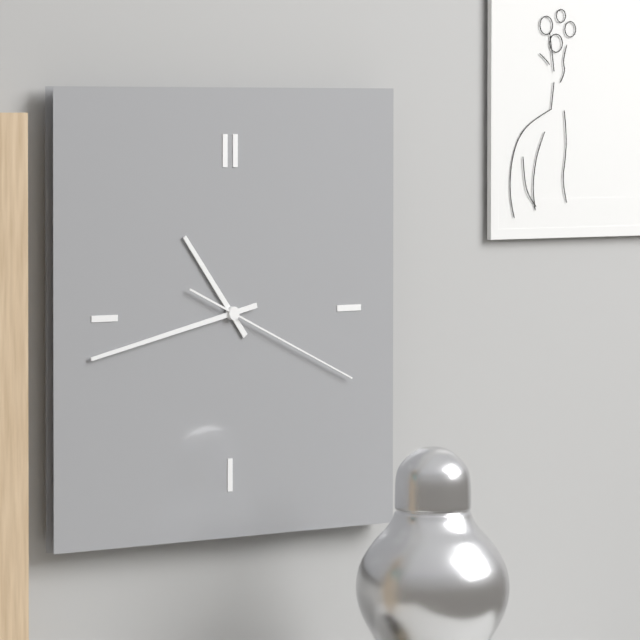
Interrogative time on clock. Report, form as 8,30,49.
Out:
10,43,19
